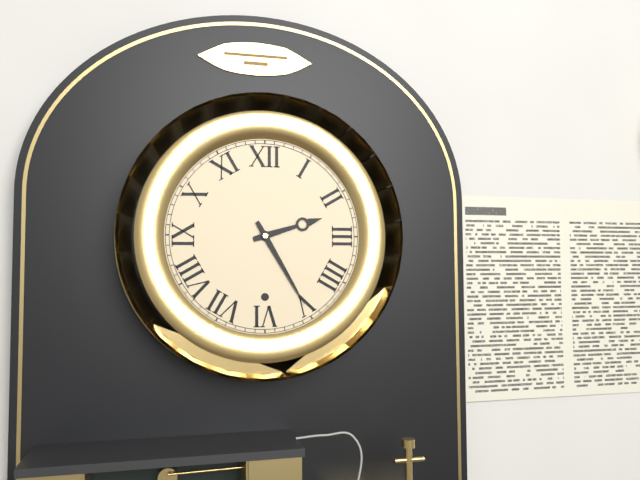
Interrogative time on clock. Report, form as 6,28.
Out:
2,25
